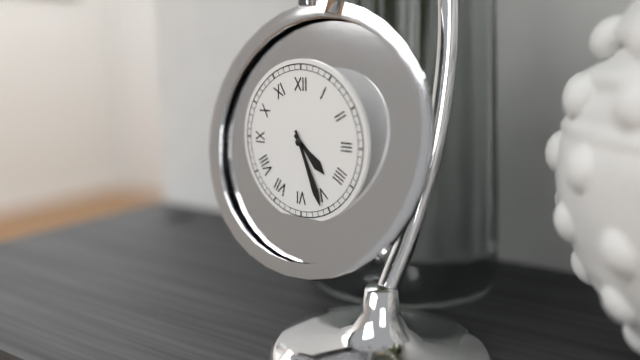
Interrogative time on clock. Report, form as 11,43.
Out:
4,26
